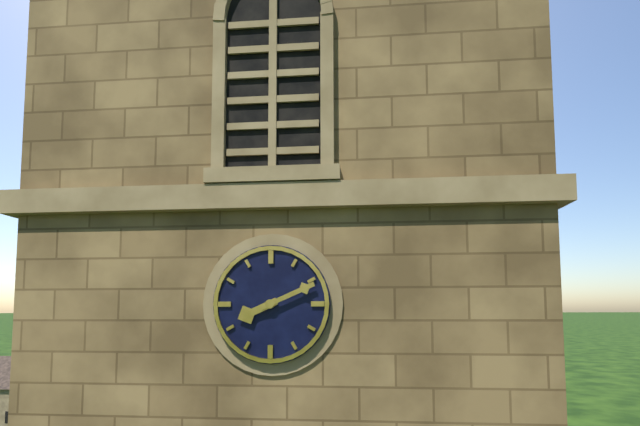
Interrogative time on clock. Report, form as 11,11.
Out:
8,11
